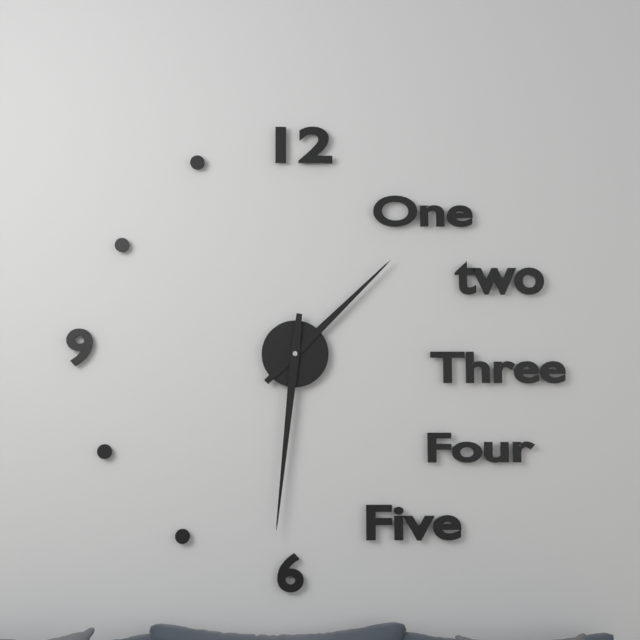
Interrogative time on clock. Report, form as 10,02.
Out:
1,31
